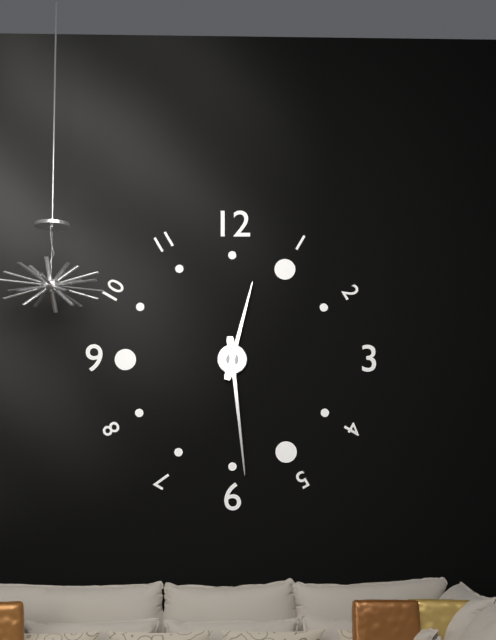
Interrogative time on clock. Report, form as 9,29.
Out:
12,29
